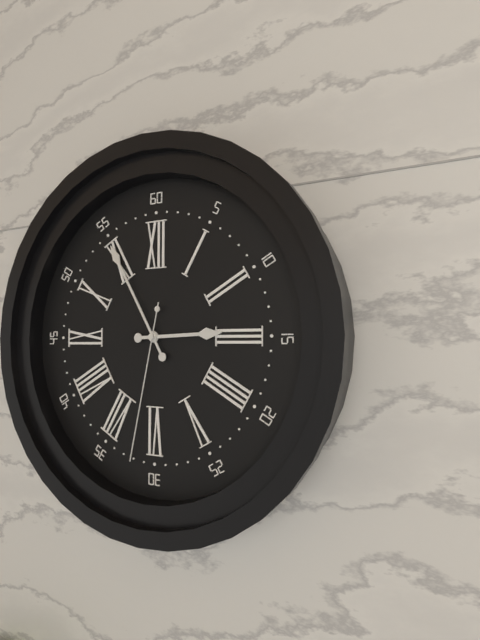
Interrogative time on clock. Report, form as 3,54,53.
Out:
2,55,32
